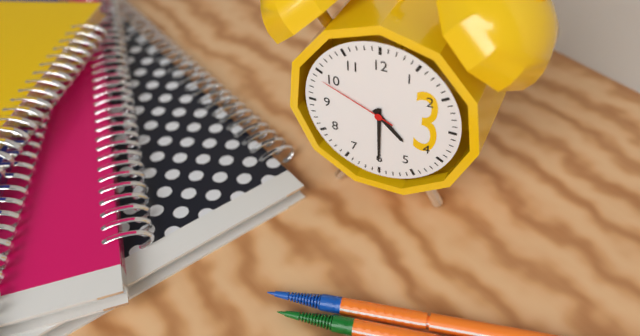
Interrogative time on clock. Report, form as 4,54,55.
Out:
4,30,49
